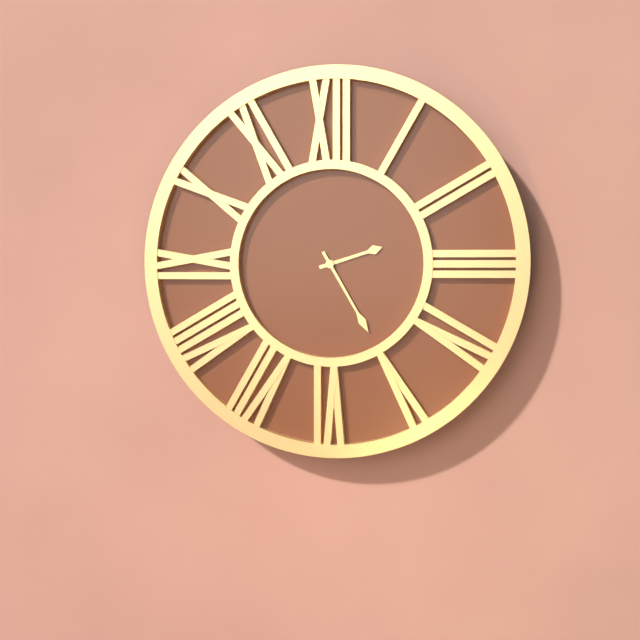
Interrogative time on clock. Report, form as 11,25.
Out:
2,25
